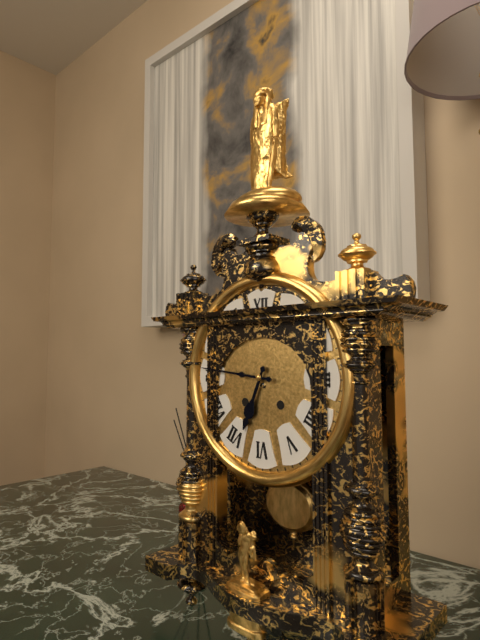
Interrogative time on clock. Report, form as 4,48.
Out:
6,46
